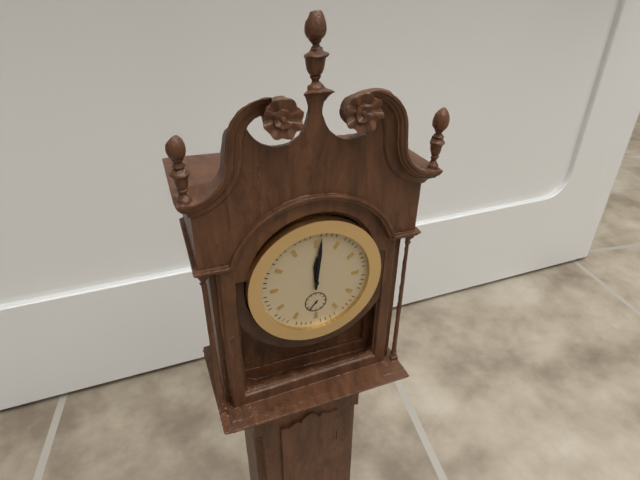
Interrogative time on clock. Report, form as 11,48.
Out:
12,01
